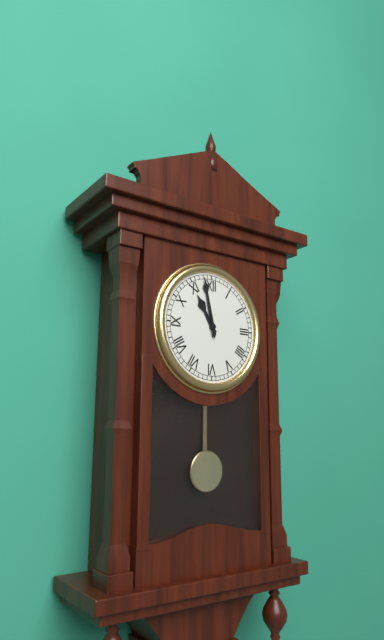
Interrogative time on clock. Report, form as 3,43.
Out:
10,58
